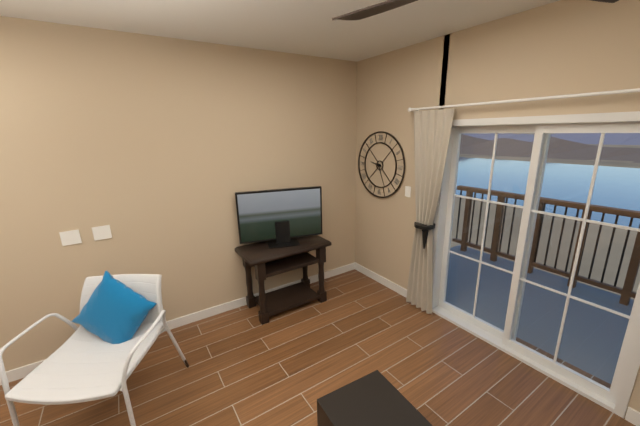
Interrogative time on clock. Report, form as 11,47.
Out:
9,26
